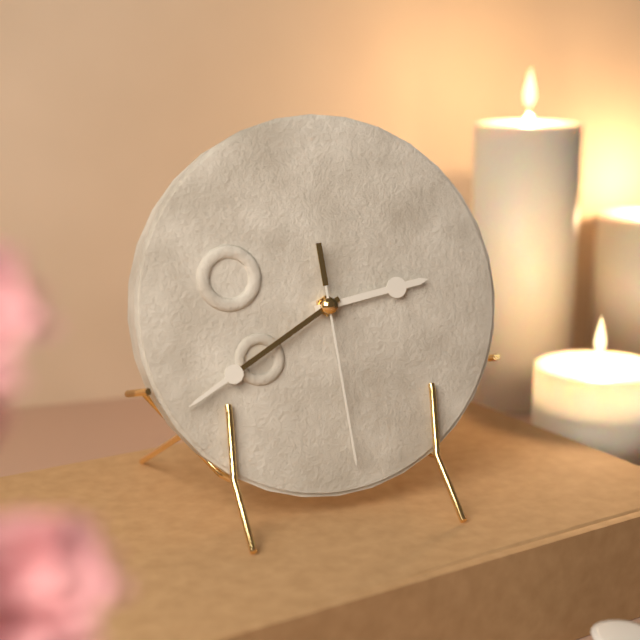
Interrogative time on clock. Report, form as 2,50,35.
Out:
2,40,29
